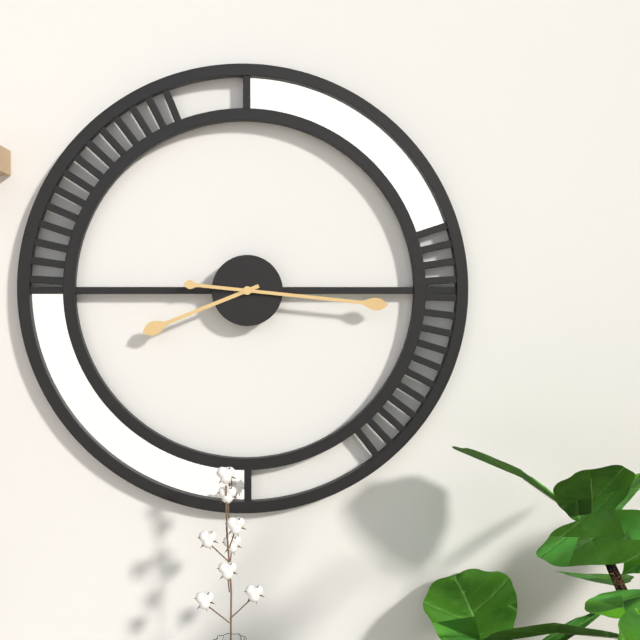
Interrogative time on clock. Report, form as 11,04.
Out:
8,16
